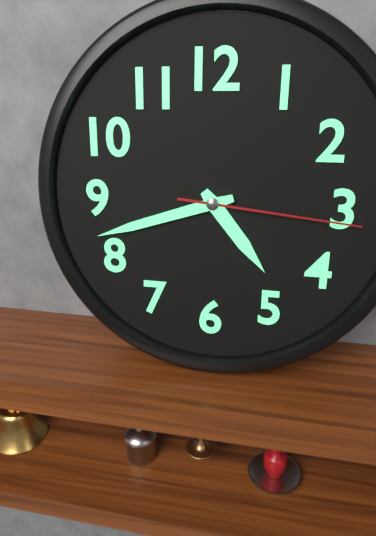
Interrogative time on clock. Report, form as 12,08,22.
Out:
4,42,16
